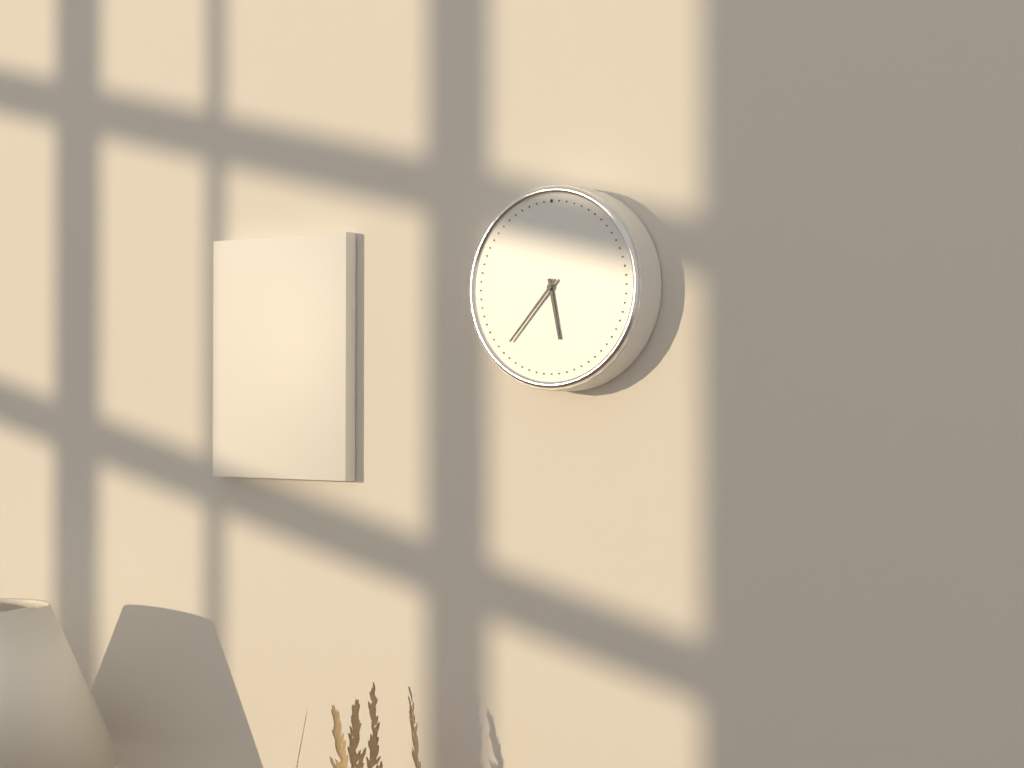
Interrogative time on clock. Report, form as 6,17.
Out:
5,37
